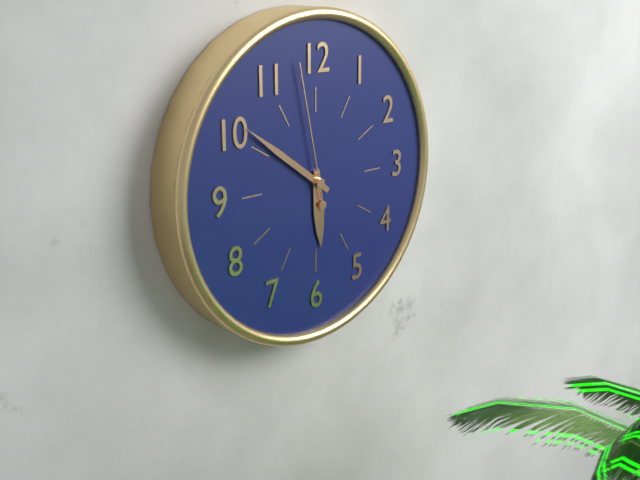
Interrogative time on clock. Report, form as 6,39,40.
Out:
5,51,58
